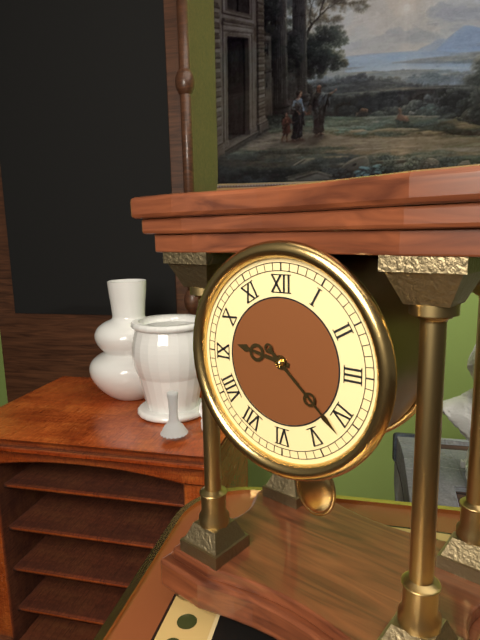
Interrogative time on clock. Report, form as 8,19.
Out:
9,22
